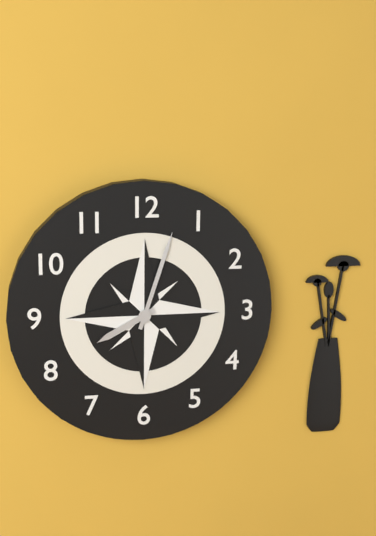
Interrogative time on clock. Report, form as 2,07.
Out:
8,03
